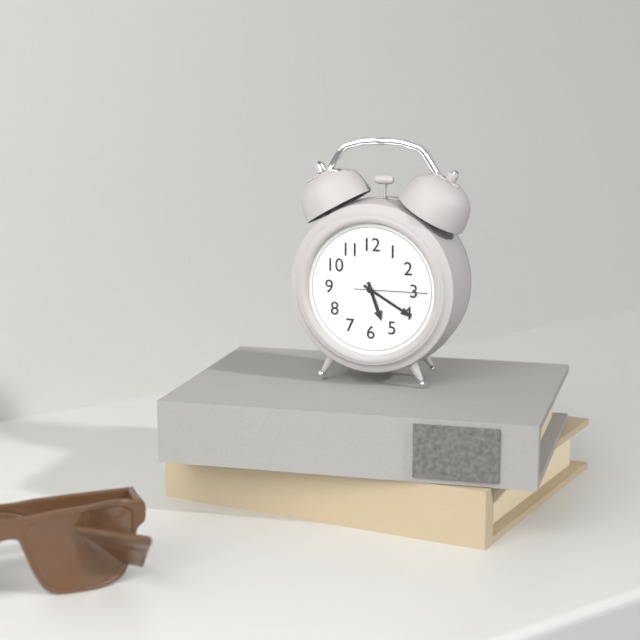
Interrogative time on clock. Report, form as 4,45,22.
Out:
5,20,15
